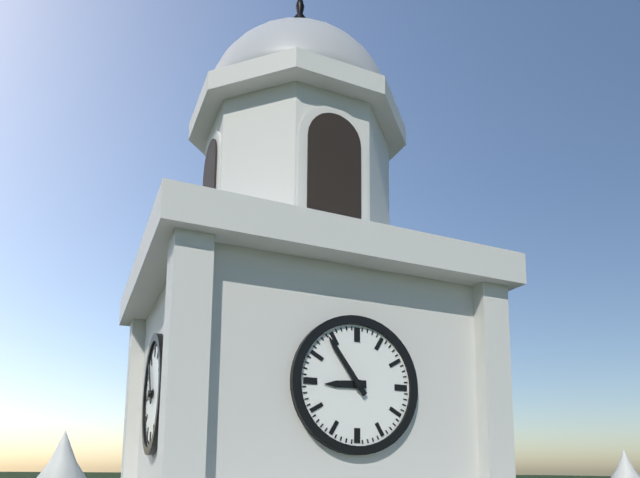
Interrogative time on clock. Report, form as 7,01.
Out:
8,54
